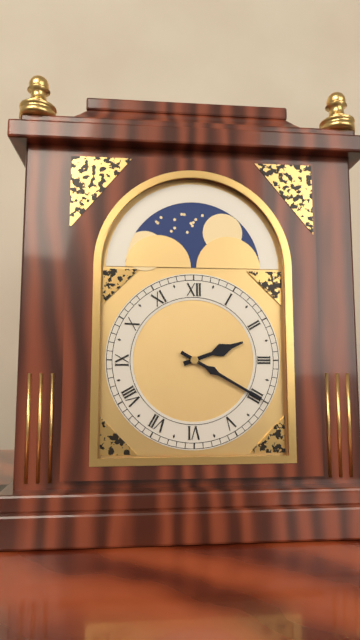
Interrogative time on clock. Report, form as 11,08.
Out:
2,20
